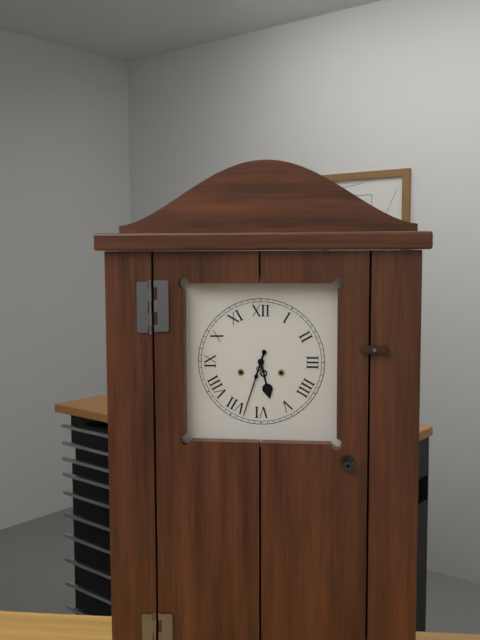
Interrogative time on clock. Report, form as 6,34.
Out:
5,33
